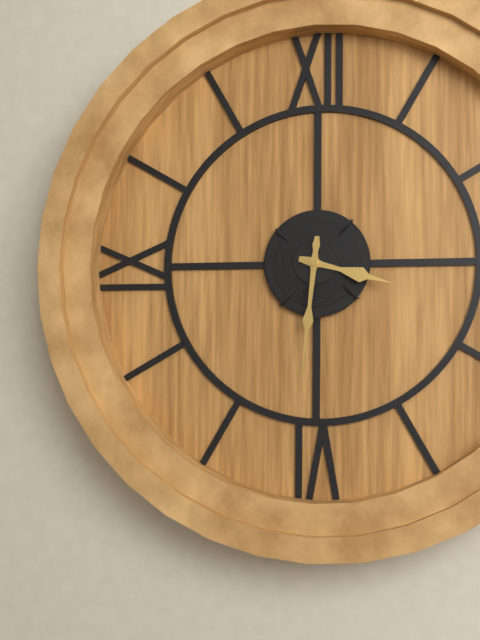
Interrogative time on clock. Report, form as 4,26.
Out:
3,31
